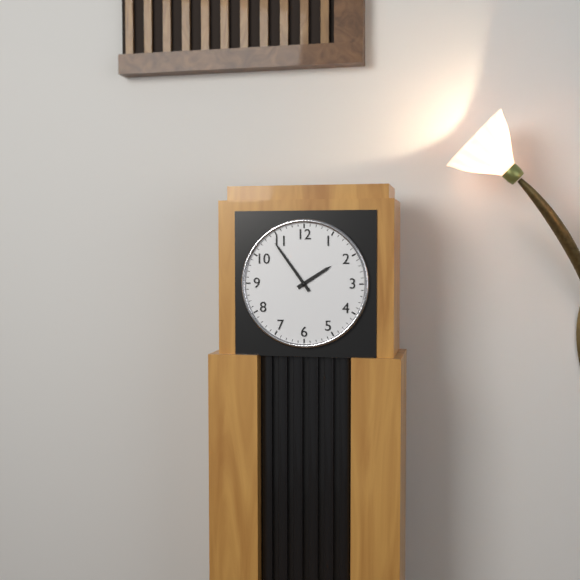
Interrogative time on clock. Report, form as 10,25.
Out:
1,54
